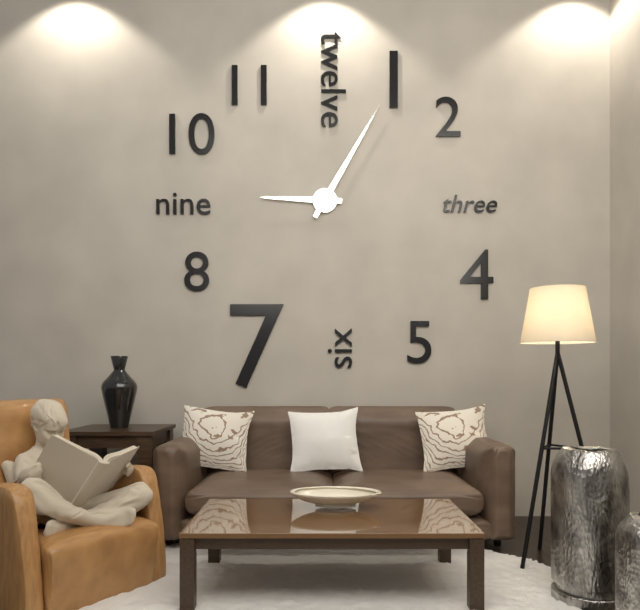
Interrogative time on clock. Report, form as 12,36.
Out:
9,05
